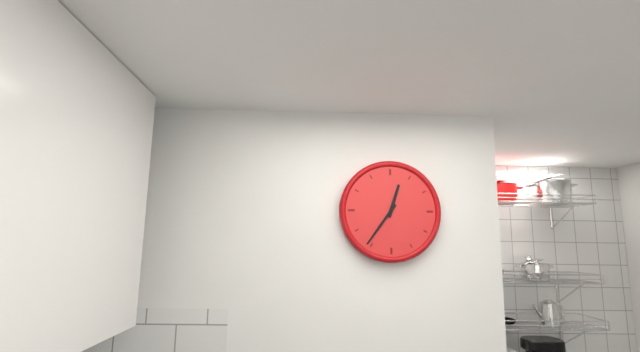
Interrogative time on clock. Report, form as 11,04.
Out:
12,36
